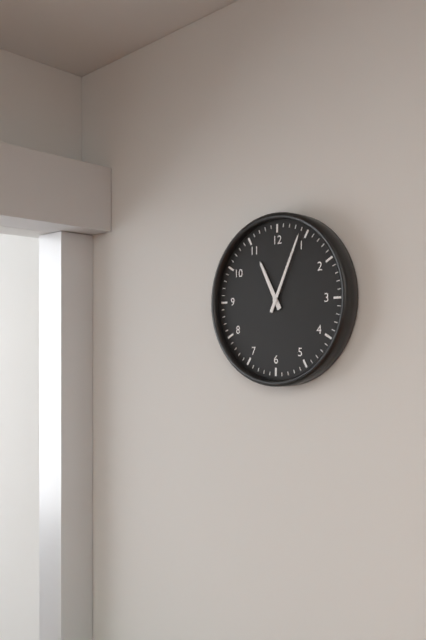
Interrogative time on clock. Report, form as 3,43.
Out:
11,04
